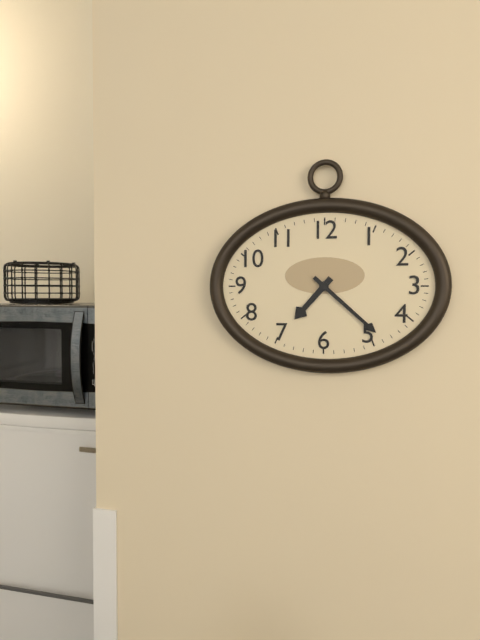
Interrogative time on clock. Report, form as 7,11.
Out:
7,22
